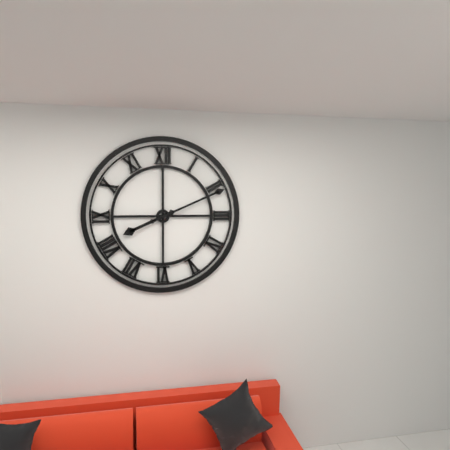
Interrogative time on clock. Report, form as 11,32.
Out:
8,11
